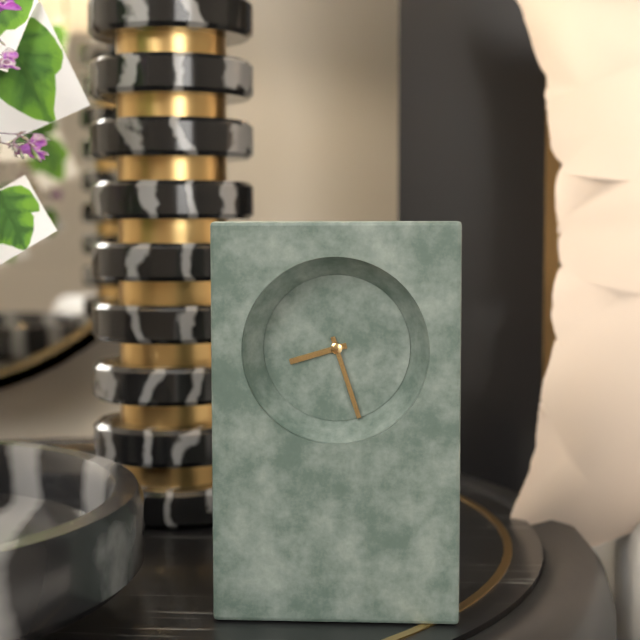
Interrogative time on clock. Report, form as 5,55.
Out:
8,27
